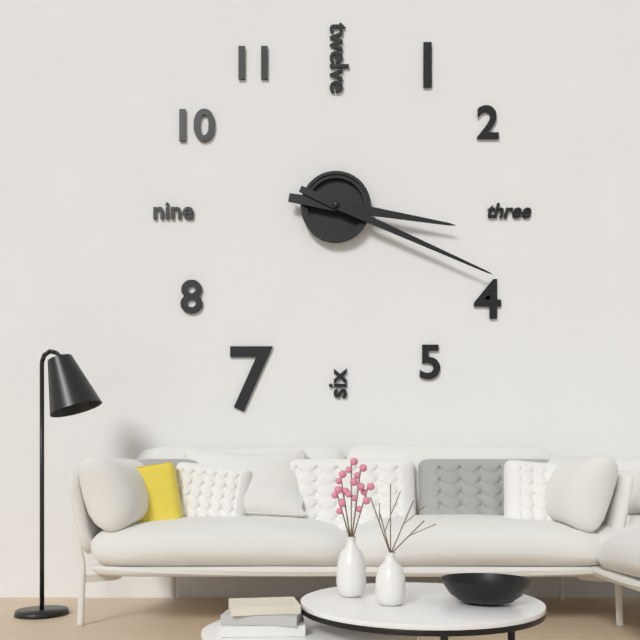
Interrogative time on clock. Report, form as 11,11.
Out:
3,19
